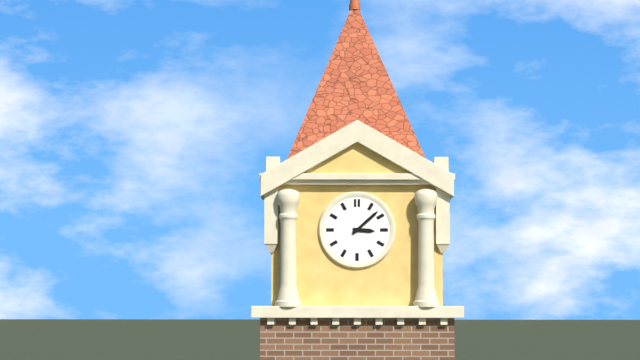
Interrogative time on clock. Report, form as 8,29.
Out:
3,08
